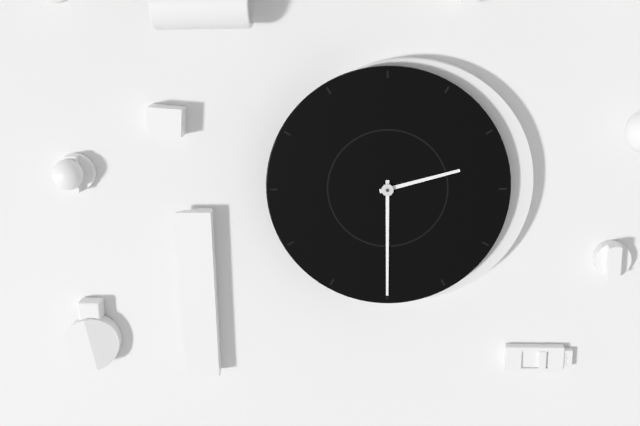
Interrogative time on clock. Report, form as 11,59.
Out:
2,30
